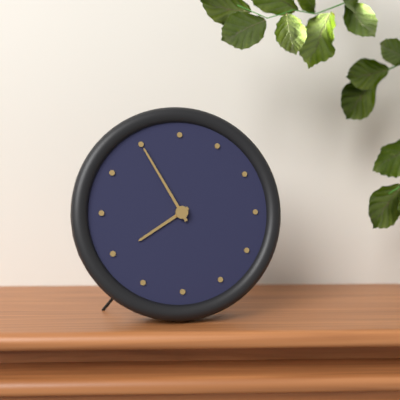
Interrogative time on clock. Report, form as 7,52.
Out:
7,55
